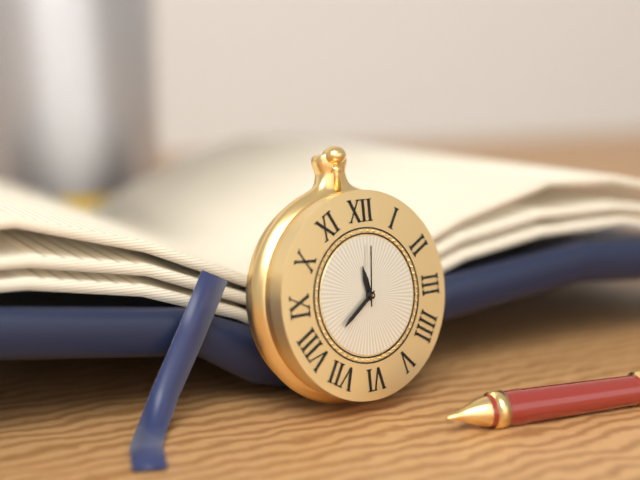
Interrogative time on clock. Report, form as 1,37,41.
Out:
11,39,01
